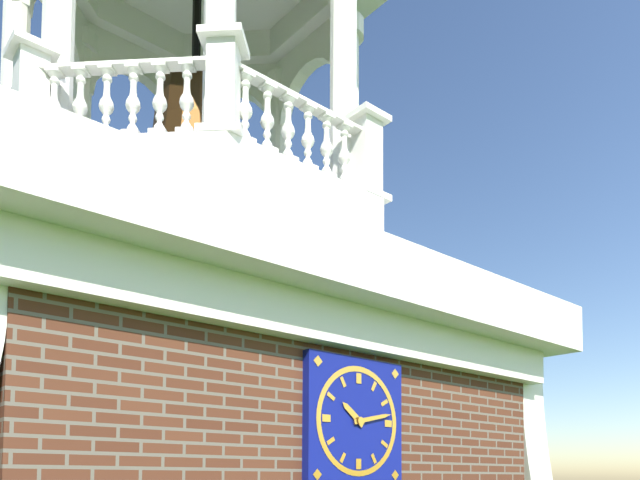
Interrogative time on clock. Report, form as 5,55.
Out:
10,13
